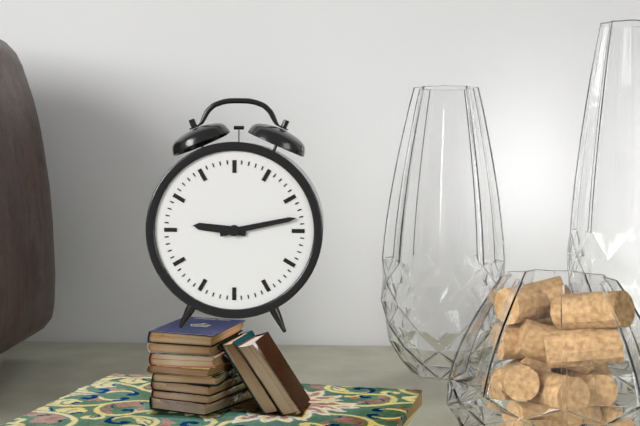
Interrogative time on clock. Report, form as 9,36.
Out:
9,13
